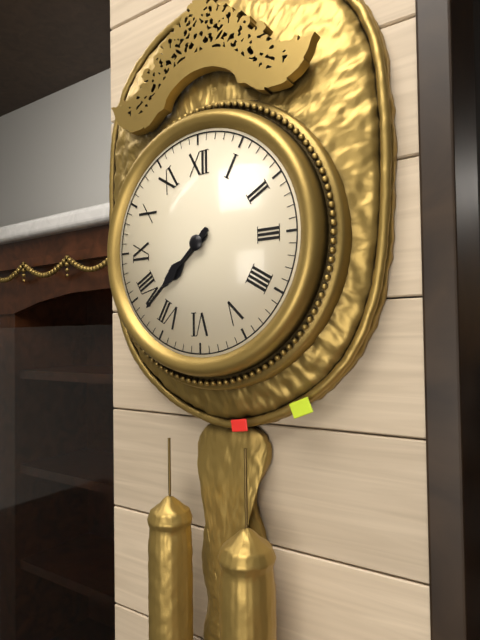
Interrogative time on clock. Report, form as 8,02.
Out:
7,38
